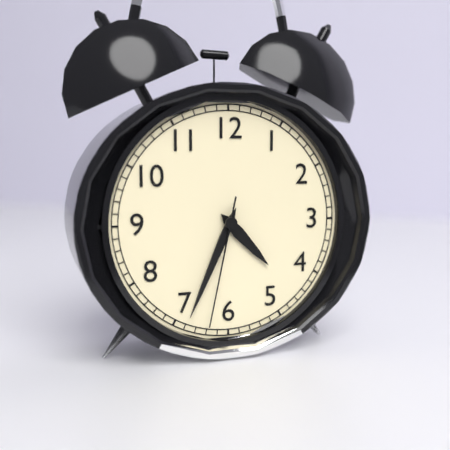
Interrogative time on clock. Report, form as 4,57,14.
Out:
4,34,32
